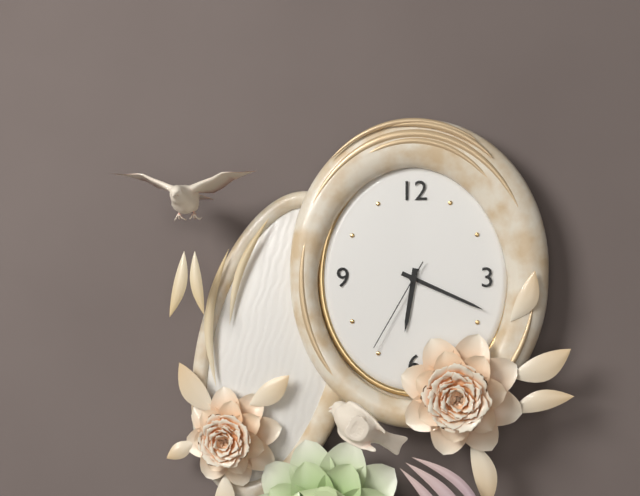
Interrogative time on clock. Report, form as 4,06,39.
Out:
6,19,35
